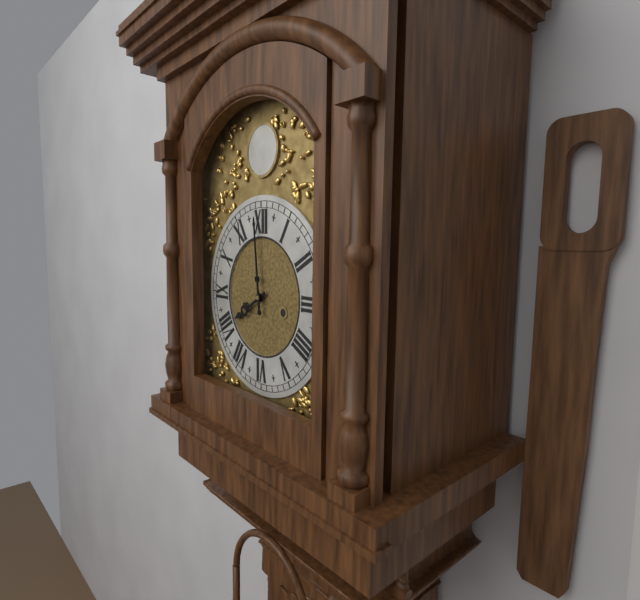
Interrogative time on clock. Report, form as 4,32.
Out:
7,59
